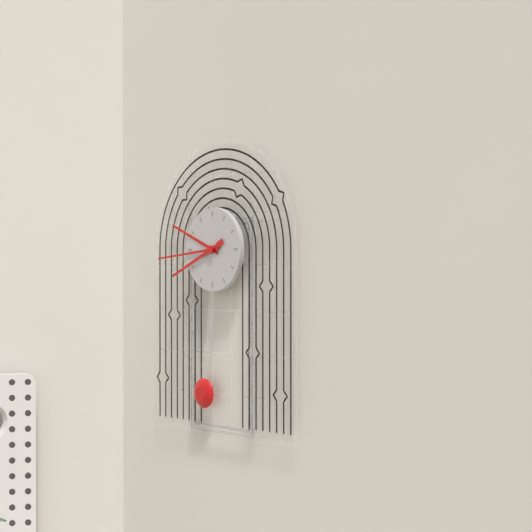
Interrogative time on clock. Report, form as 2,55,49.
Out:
9,44,41
